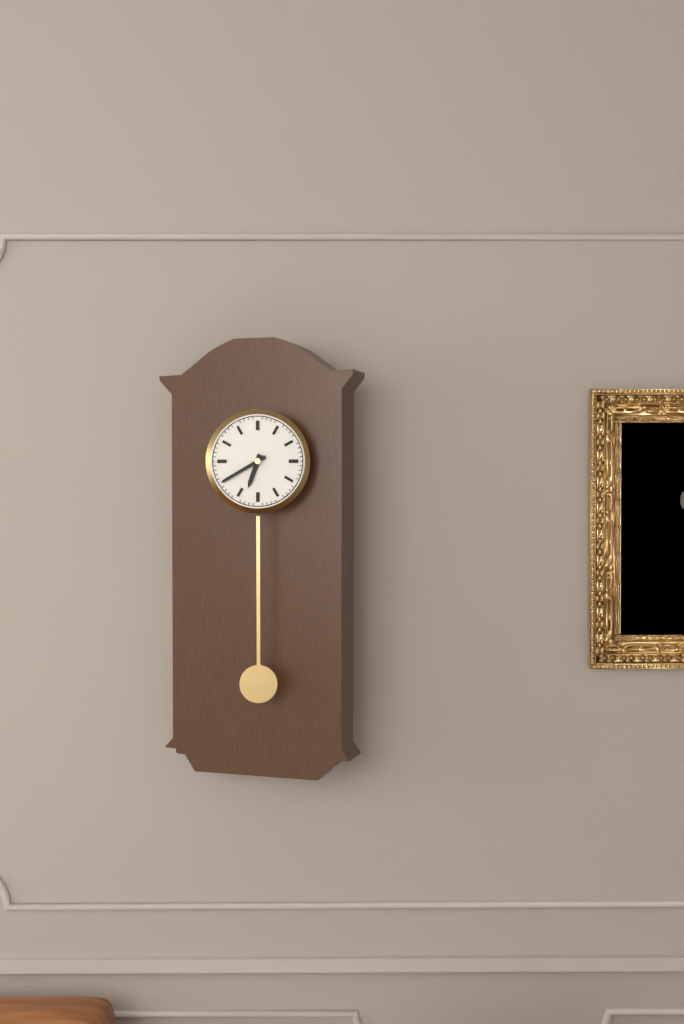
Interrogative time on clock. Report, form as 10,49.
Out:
6,40
